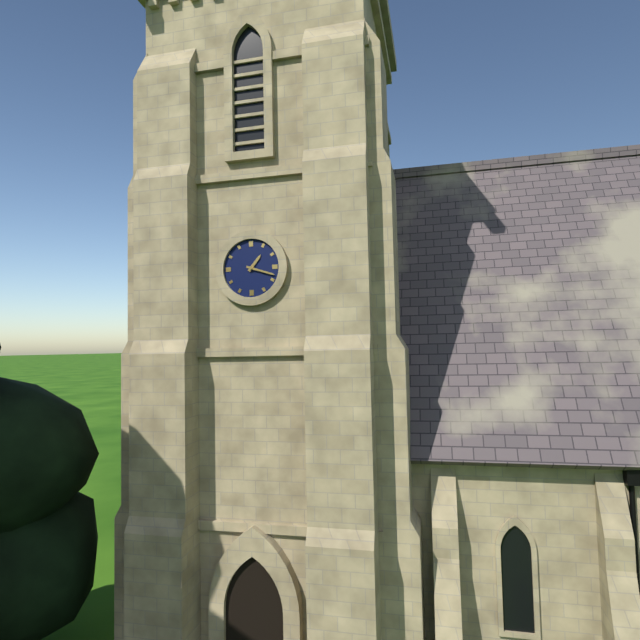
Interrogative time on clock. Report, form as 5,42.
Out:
1,18
